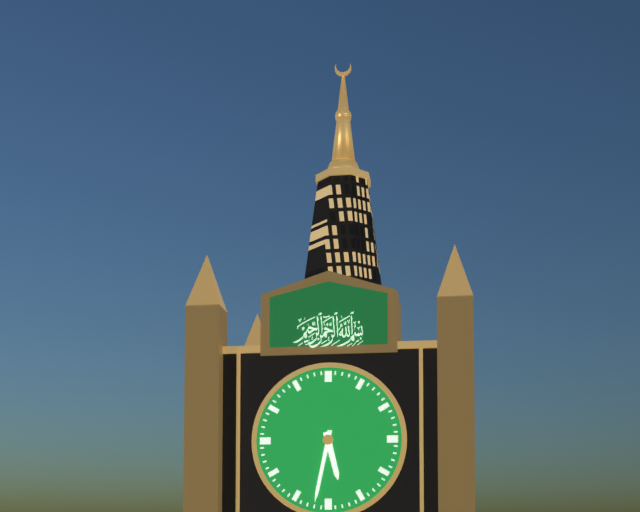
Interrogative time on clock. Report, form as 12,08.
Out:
5,32
